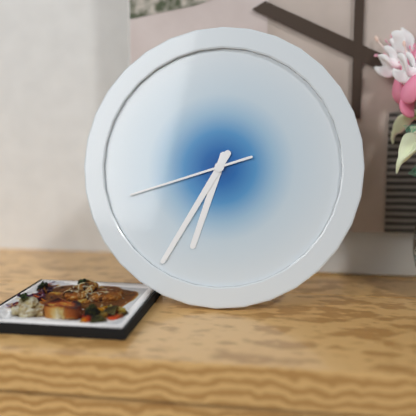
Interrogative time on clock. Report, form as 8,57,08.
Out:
6,35,42
